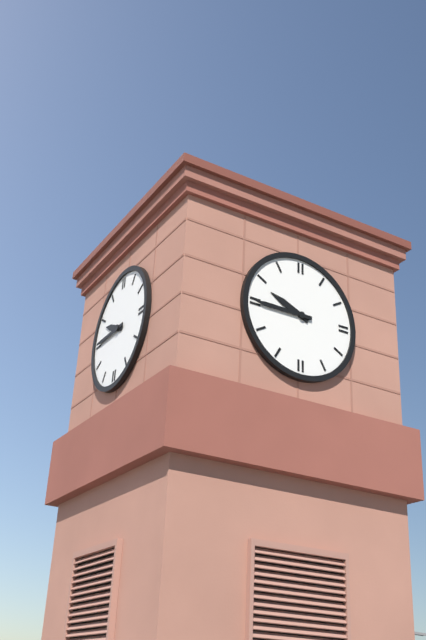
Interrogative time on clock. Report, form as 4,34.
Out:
9,45
